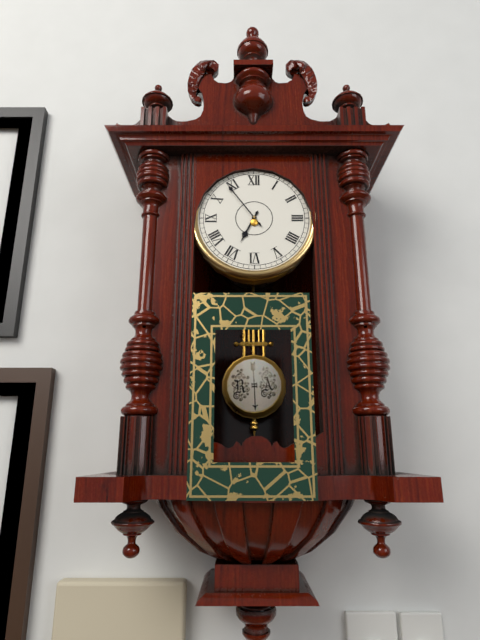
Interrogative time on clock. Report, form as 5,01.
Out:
6,54
